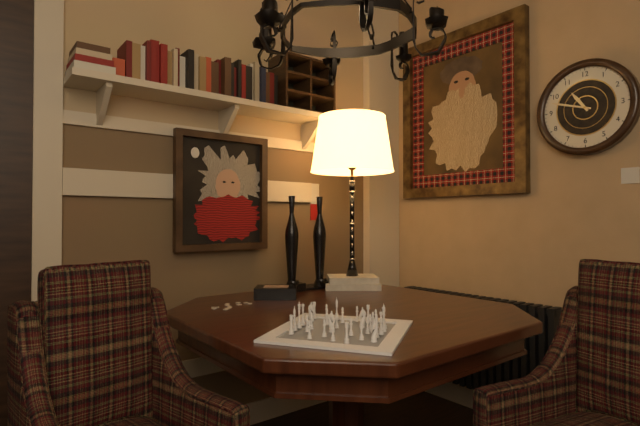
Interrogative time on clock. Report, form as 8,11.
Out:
10,48
